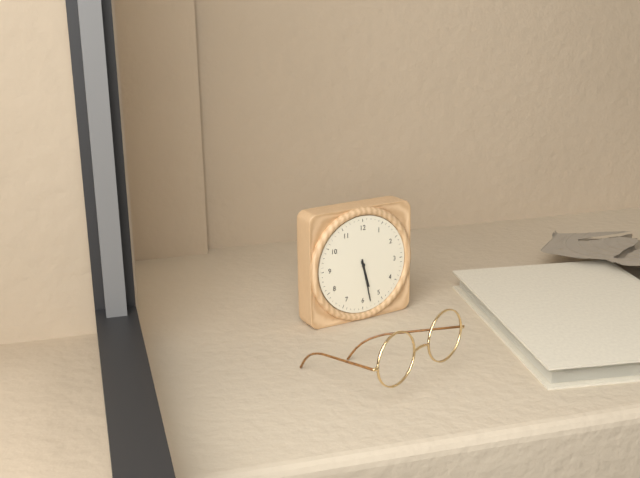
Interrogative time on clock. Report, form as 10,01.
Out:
5,28
